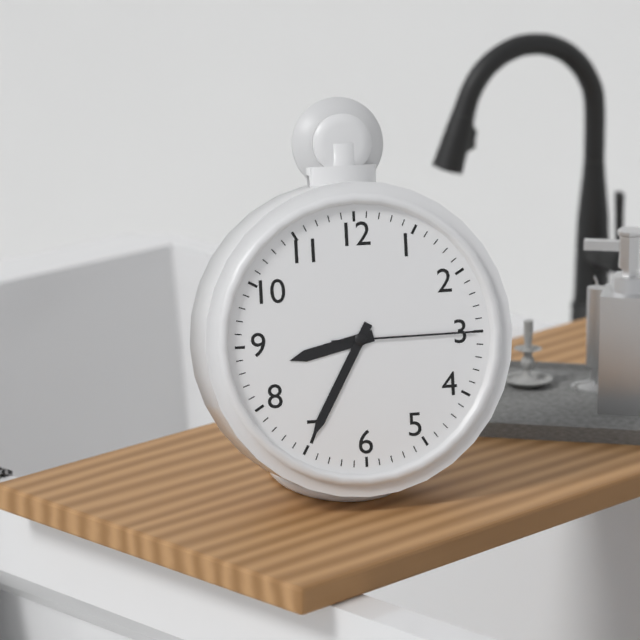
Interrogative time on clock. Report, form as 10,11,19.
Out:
8,35,15
